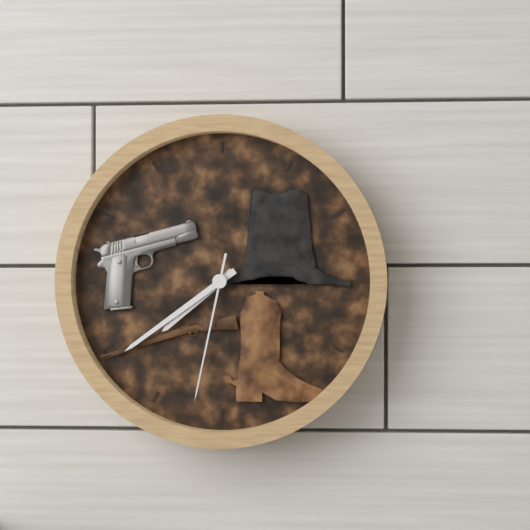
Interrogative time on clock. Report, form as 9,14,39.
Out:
7,39,32
